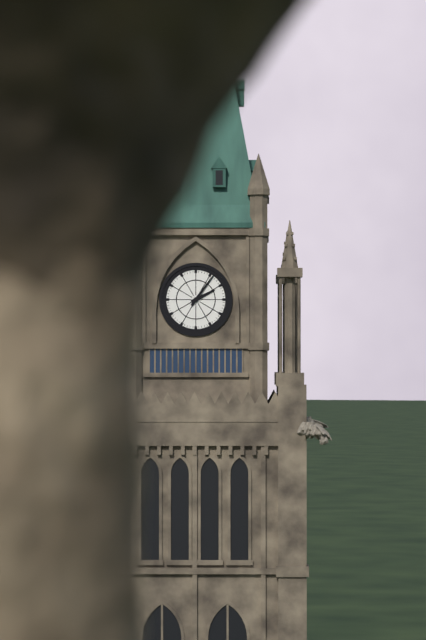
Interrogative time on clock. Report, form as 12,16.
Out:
2,06
